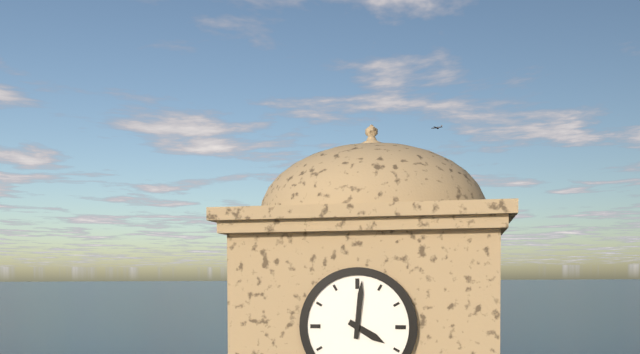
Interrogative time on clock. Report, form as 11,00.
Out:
4,01
